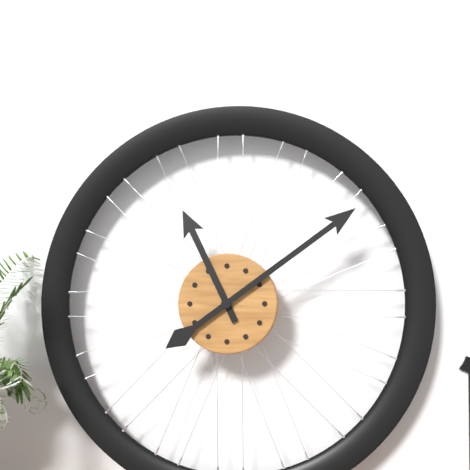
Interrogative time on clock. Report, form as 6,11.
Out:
11,09
